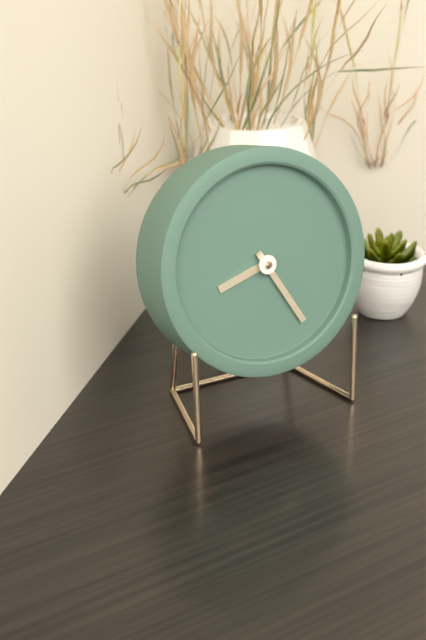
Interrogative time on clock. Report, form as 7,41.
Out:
8,25
